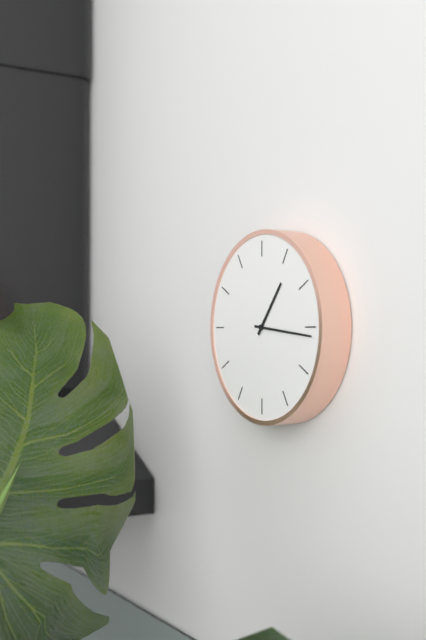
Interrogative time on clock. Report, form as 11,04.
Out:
1,16
